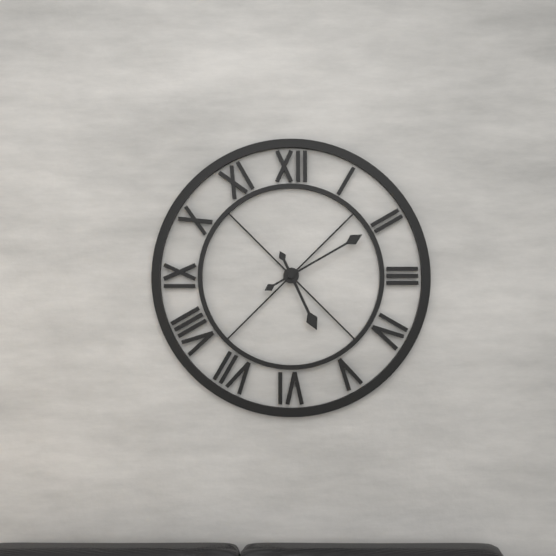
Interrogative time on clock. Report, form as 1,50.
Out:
5,10
